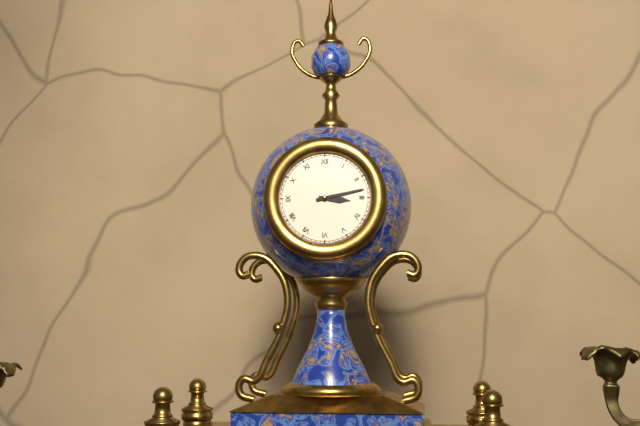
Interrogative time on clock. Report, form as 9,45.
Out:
3,13
